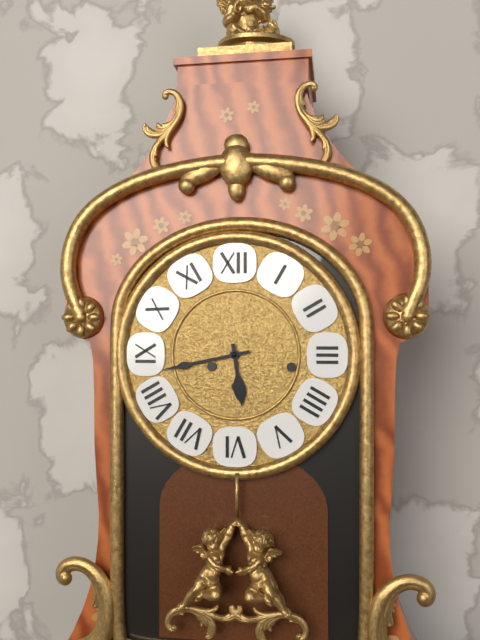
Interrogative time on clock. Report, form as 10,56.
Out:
5,43
